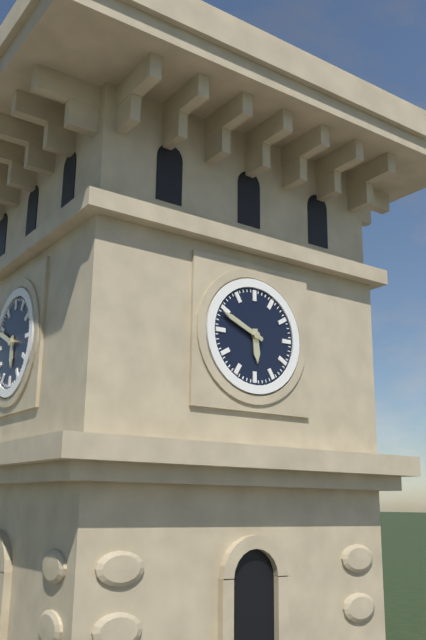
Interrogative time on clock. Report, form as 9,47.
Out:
5,49
